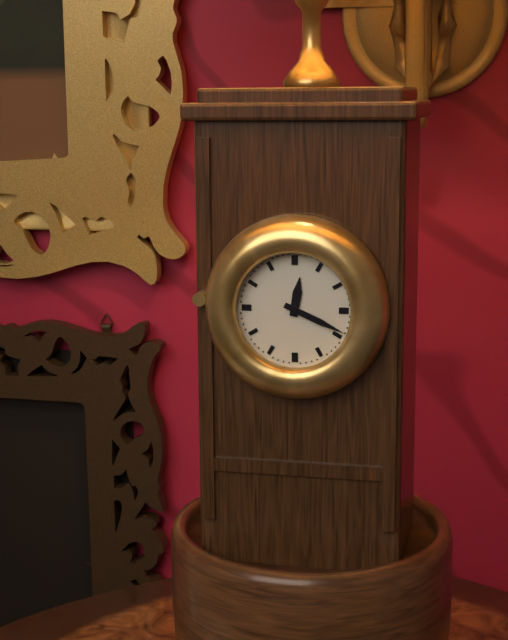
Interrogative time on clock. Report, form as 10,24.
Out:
12,19
